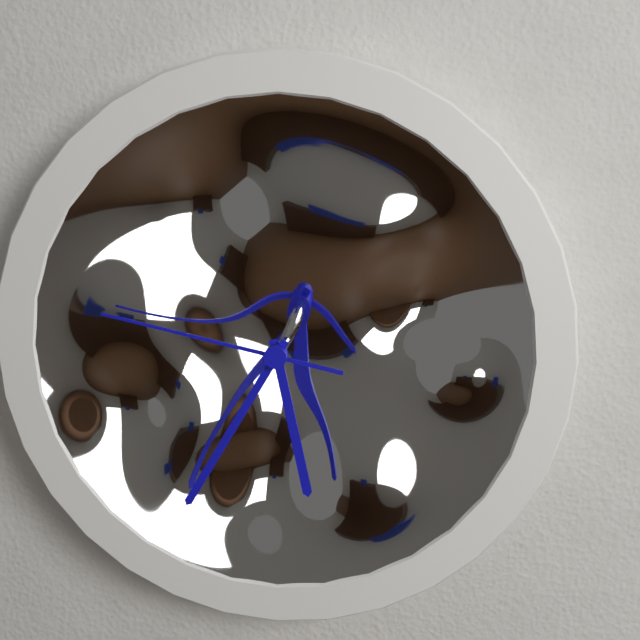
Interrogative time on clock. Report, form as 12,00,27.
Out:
5,35,47
